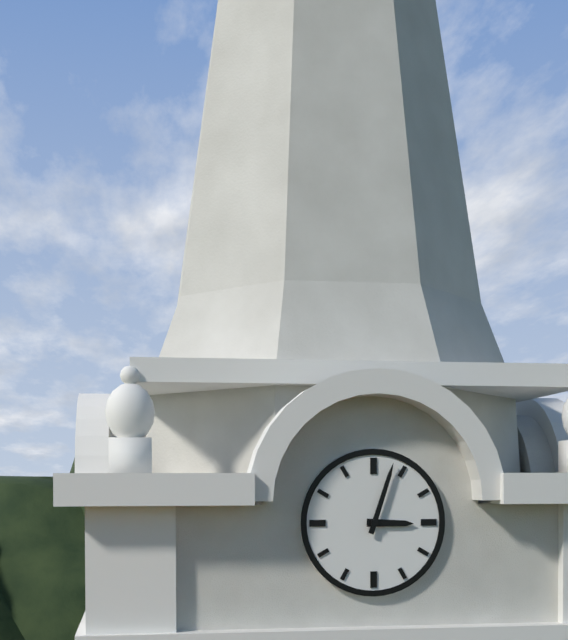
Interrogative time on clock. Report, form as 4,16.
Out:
3,03
